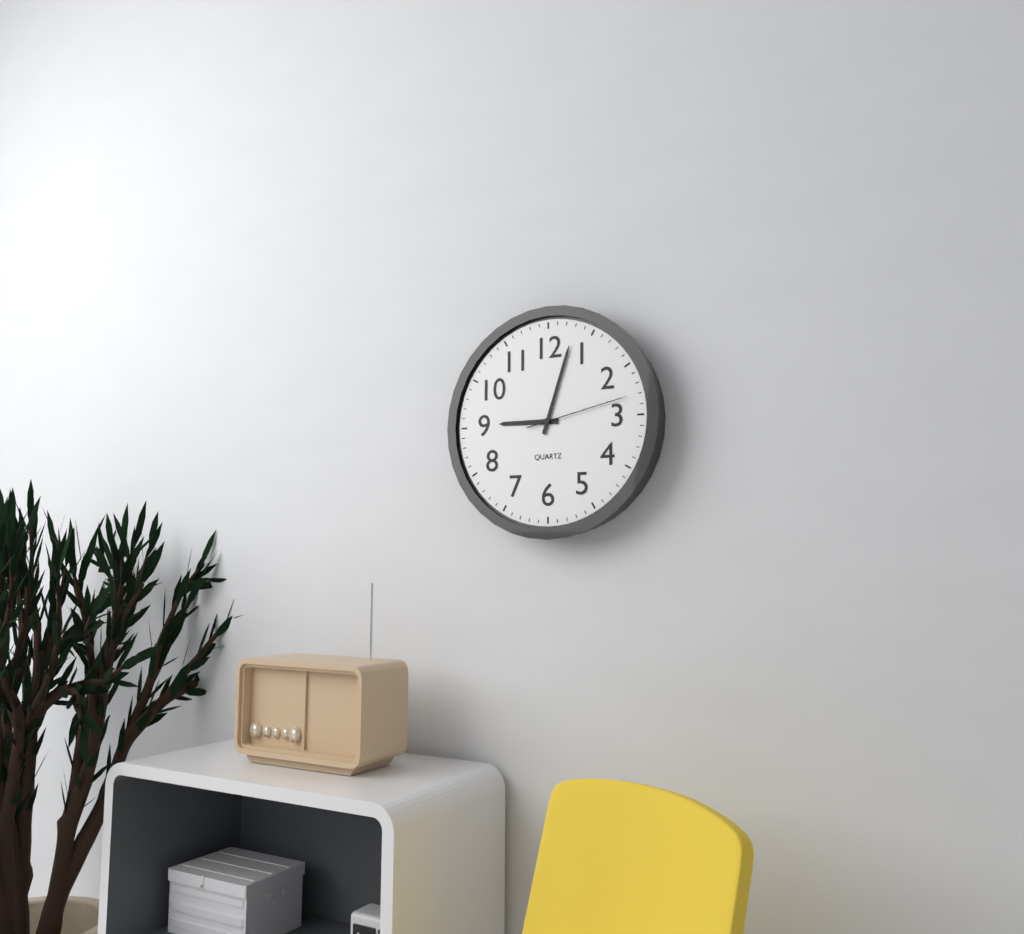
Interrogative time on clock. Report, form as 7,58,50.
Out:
9,03,13
